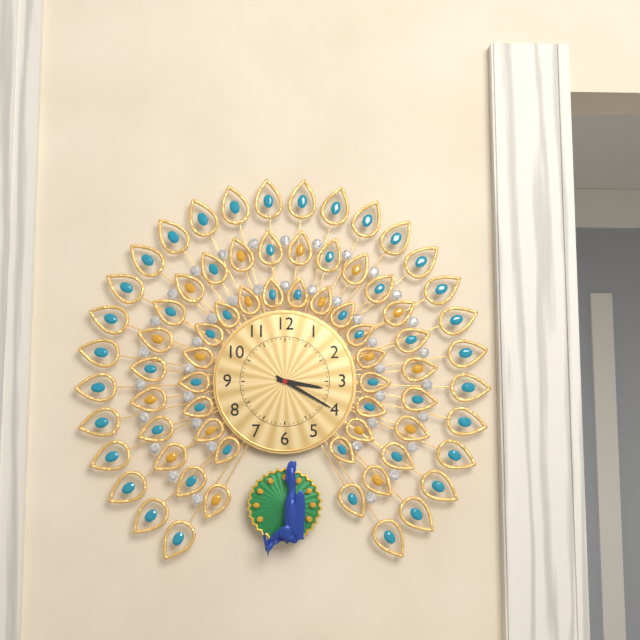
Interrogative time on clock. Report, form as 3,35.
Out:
3,20
